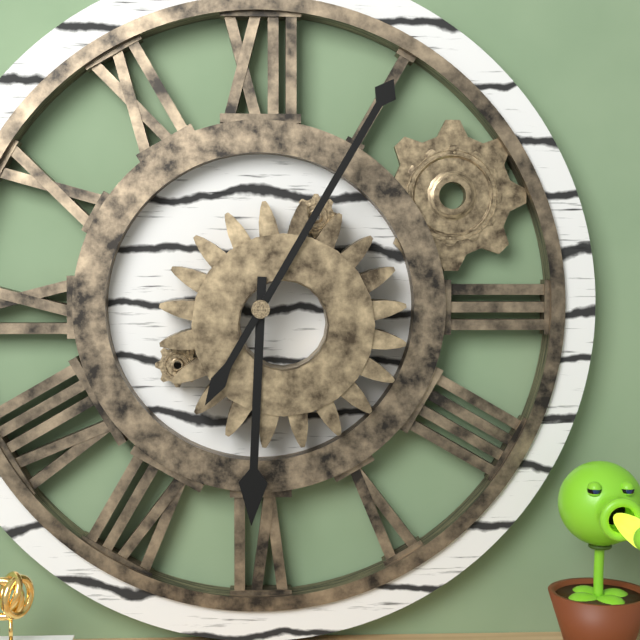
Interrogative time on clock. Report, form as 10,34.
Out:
6,05
